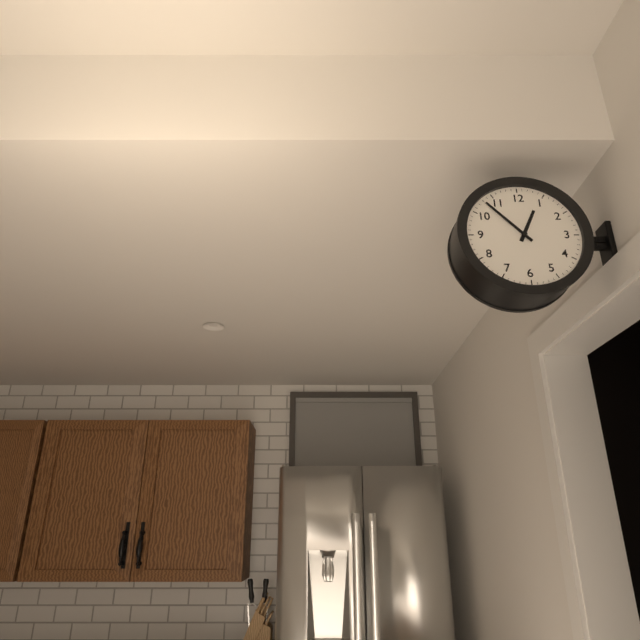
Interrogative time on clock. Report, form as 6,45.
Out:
12,53
